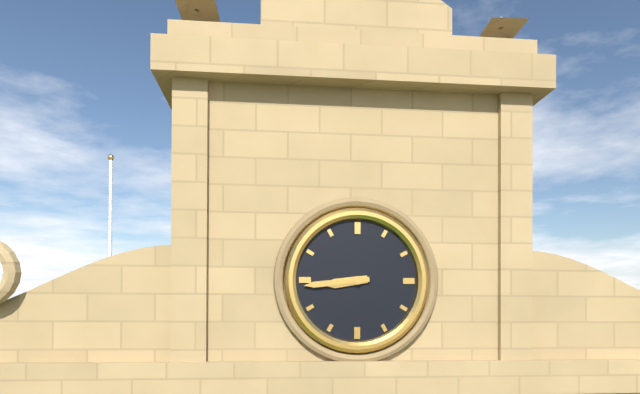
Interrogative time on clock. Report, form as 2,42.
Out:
8,44
